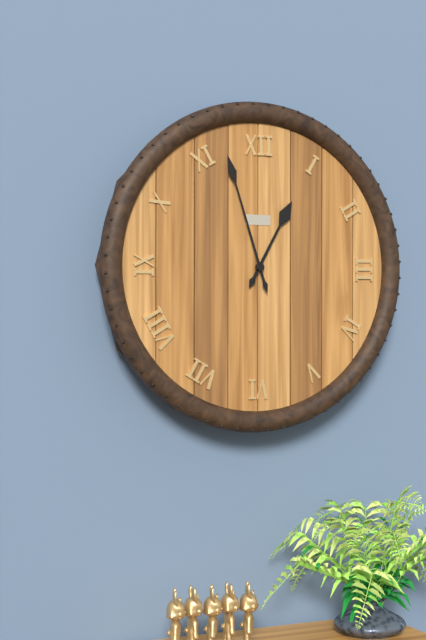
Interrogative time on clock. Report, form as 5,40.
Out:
12,57
